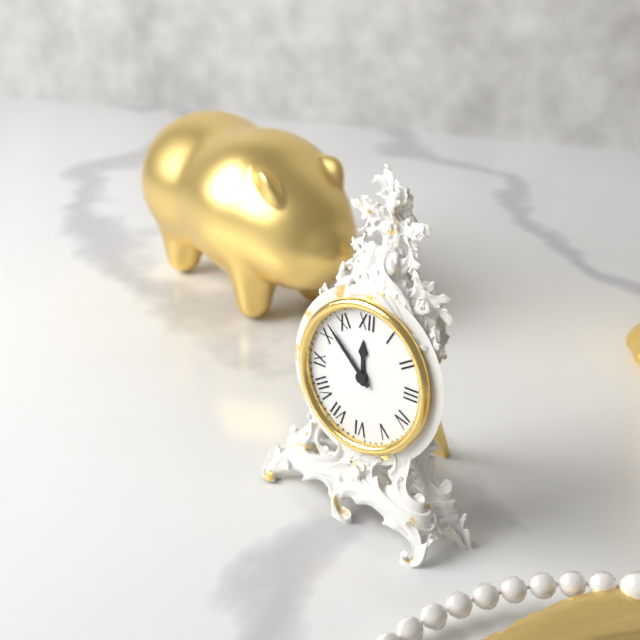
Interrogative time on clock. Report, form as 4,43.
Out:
11,52
